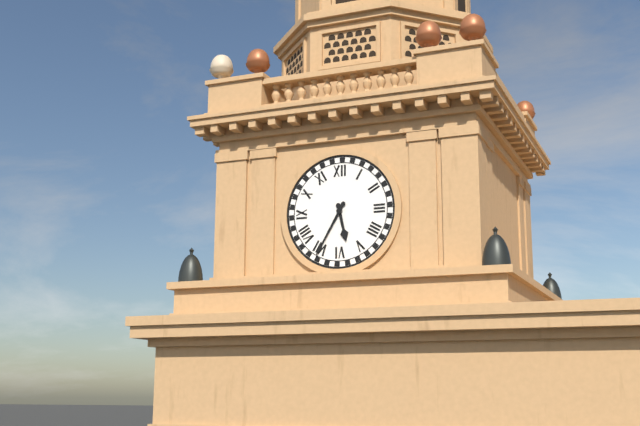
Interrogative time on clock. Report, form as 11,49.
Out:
5,35
